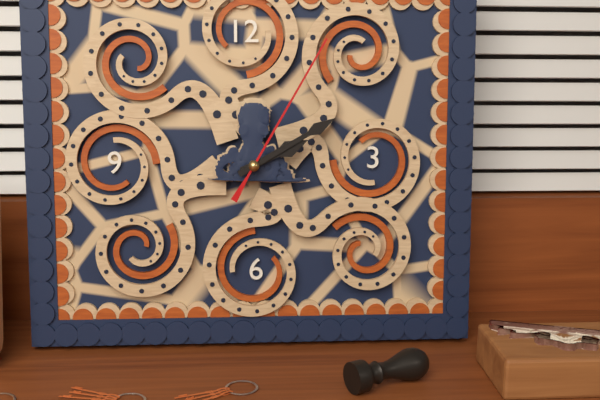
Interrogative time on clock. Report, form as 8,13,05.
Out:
2,10,05
